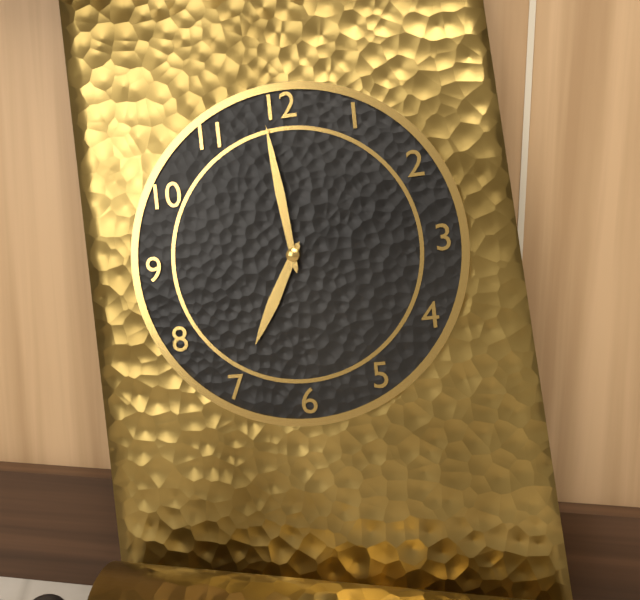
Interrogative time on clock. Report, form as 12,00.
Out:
6,59
